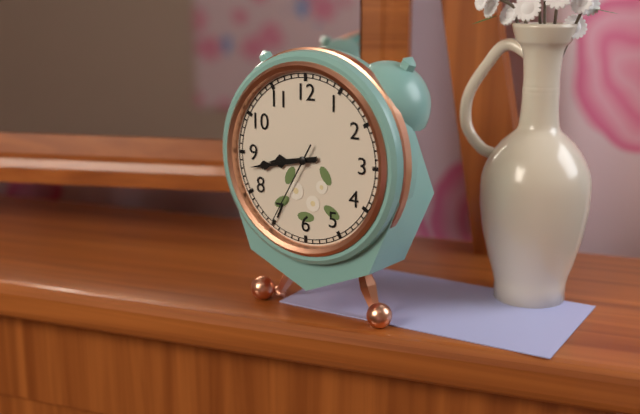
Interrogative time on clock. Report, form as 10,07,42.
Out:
8,43,35
